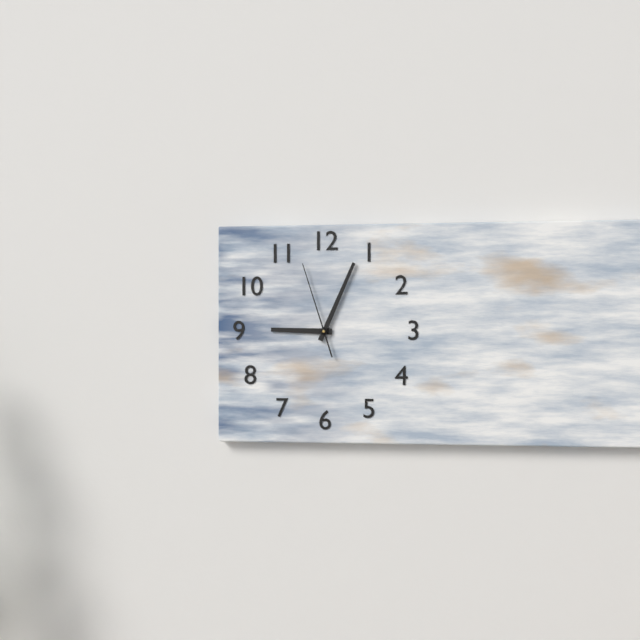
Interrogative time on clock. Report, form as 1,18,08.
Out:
9,04,57
